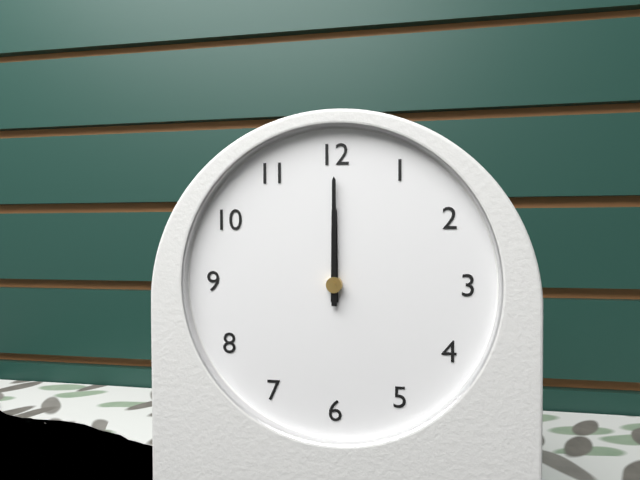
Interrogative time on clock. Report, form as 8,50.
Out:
12,00
